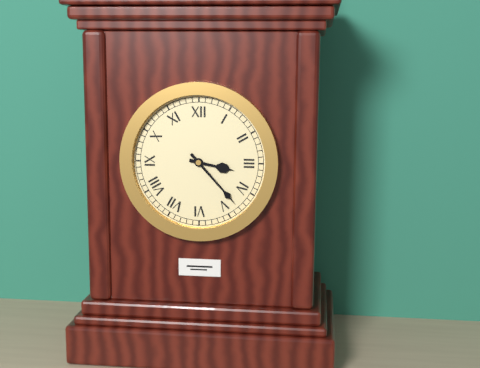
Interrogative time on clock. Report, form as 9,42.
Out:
3,23
